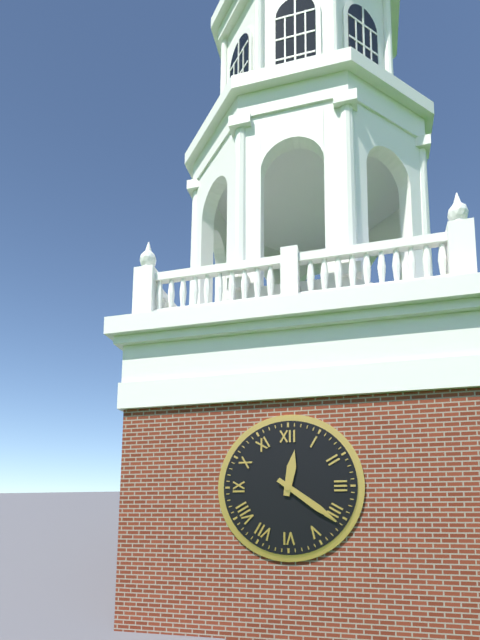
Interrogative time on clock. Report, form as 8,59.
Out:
12,21
